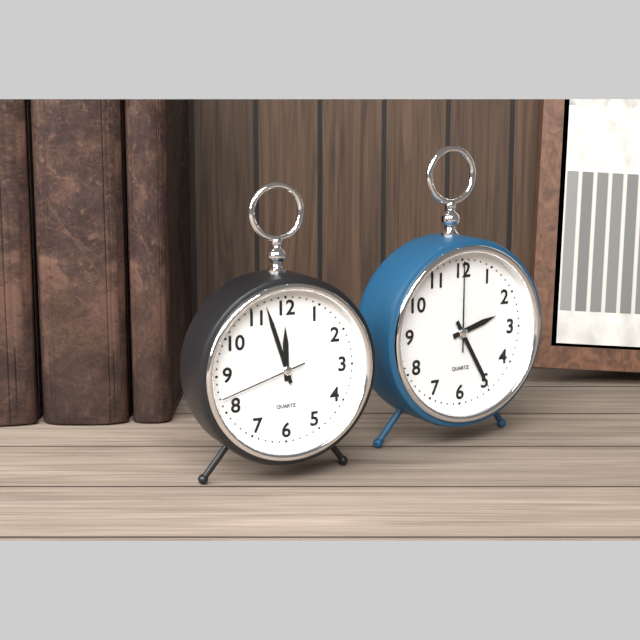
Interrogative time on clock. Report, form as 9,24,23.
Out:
11,57,42
